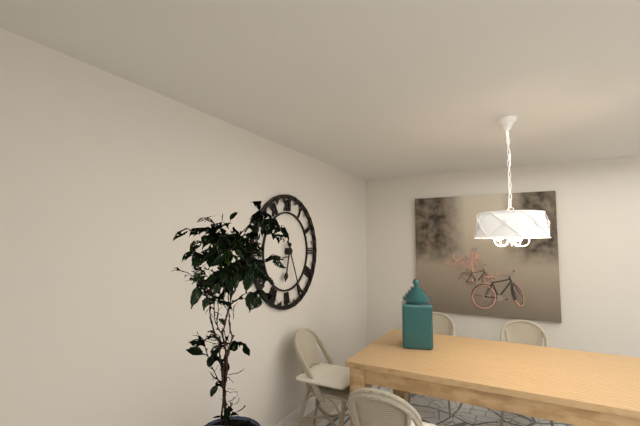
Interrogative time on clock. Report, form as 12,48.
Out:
6,26
